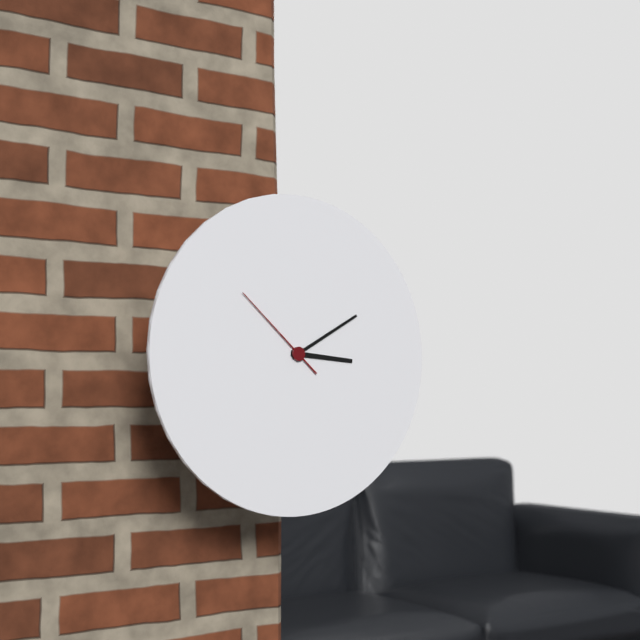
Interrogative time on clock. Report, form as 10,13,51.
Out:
3,10,52
